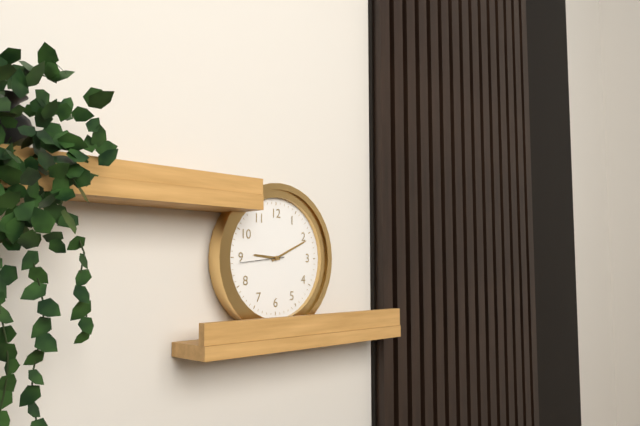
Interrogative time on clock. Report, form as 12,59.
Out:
9,11
